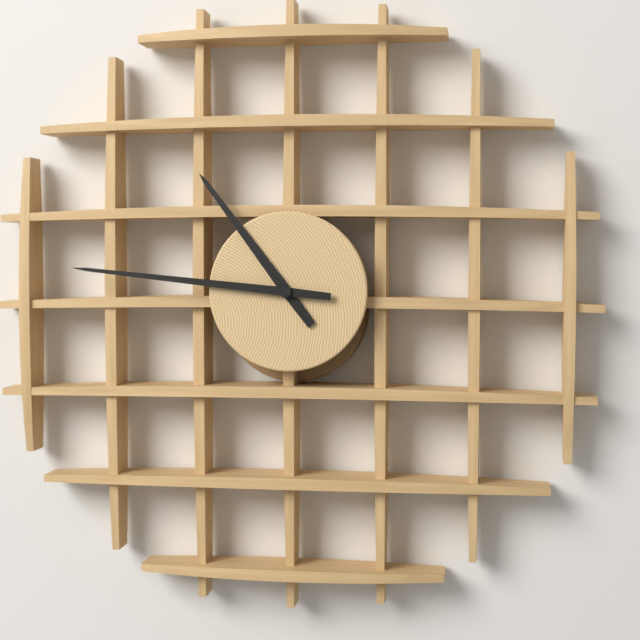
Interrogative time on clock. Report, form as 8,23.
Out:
10,46
